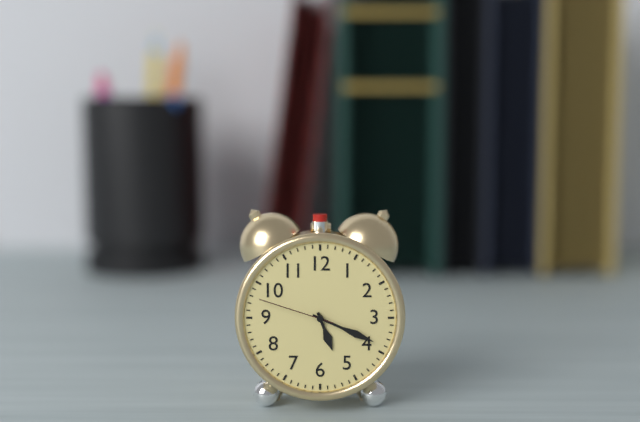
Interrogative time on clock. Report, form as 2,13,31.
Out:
5,19,48
